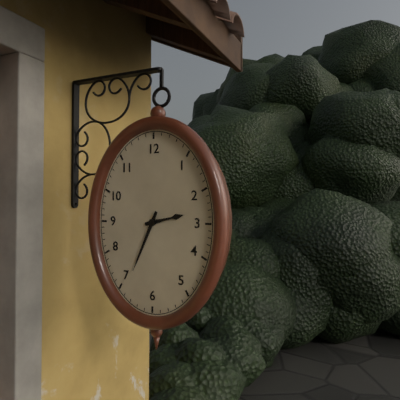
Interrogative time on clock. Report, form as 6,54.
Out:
2,34
